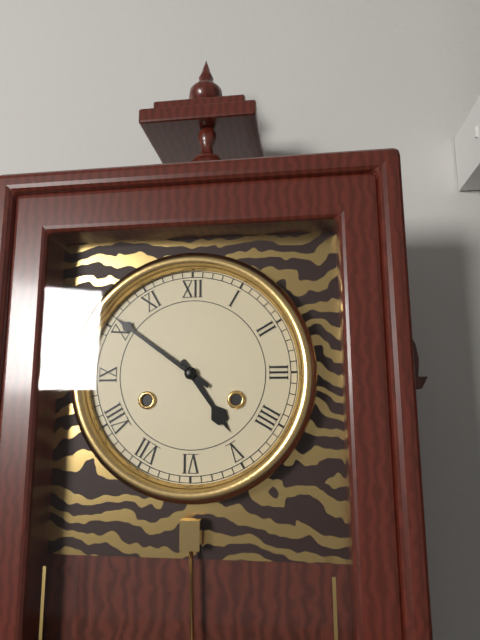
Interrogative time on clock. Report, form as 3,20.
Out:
4,51
